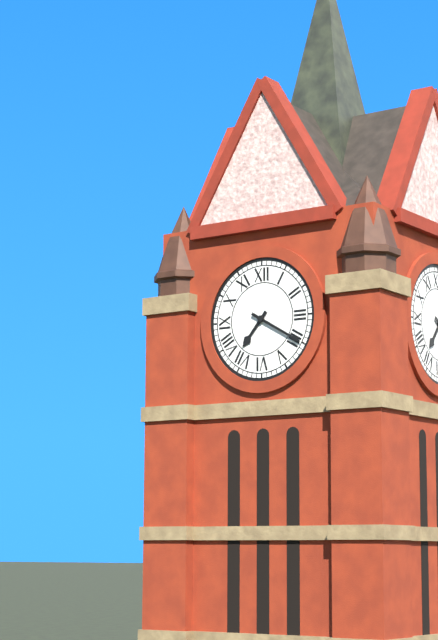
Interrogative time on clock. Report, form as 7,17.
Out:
7,20
